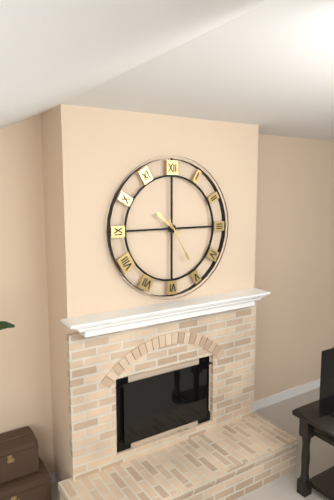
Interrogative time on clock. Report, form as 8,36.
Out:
10,25
